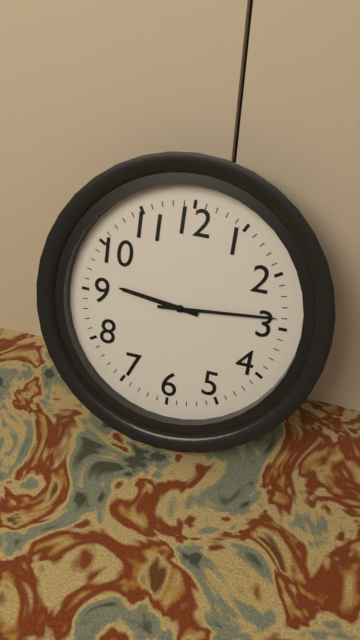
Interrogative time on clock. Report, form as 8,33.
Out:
9,14
